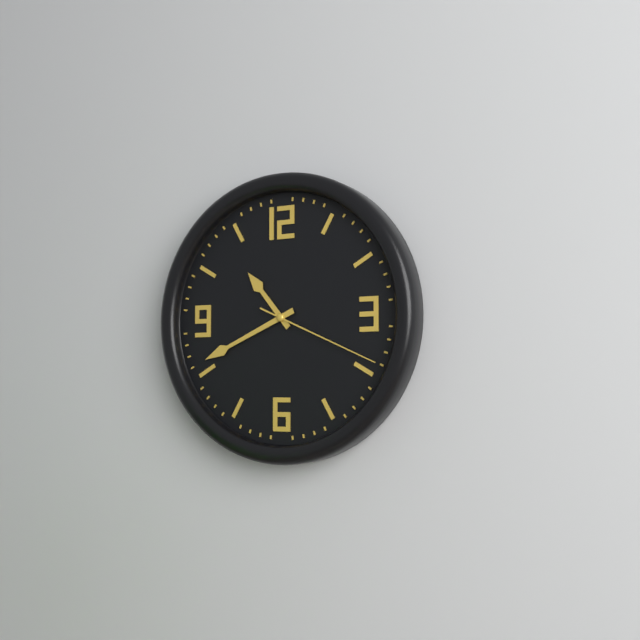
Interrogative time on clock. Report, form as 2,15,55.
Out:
10,41,19
